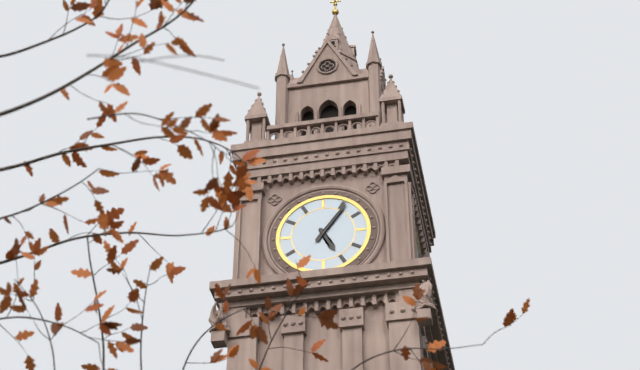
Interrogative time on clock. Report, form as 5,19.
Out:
5,06
